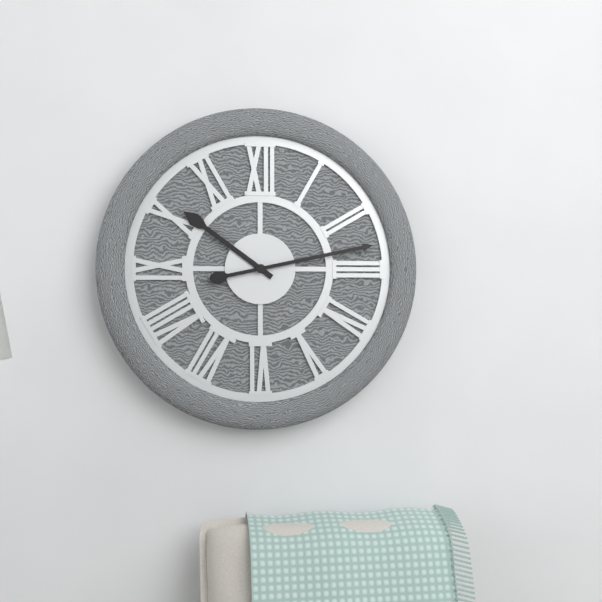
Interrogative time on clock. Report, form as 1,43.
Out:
10,13
